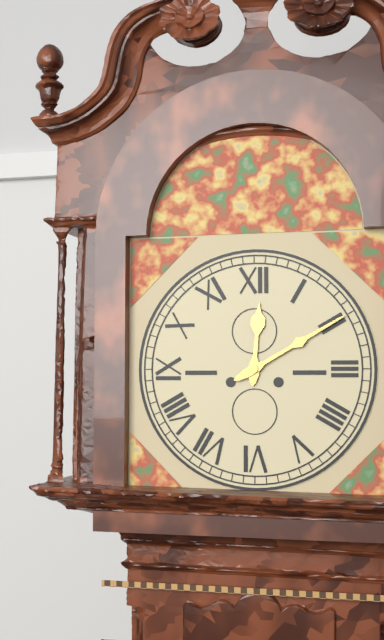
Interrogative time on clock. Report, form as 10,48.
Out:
12,10
